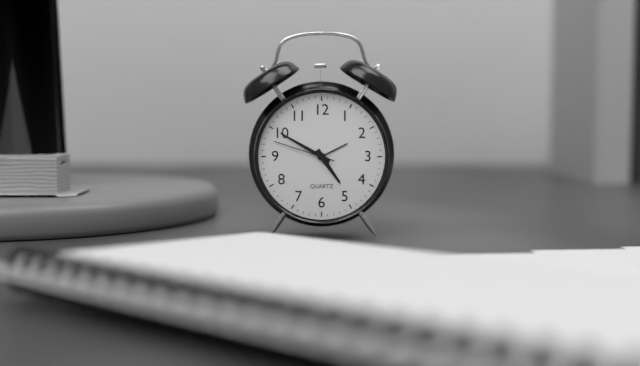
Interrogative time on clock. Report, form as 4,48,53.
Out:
4,50,48
